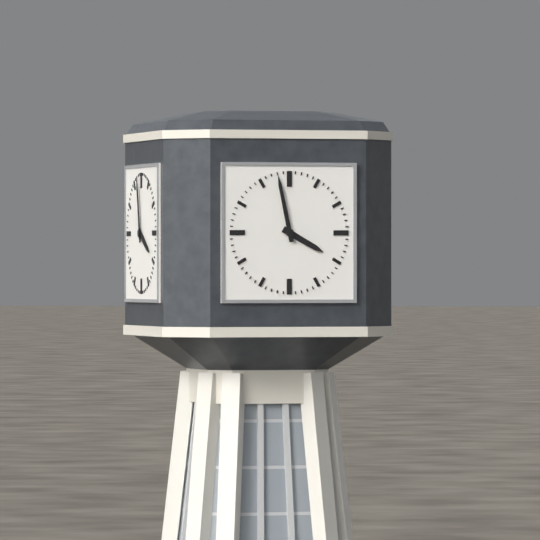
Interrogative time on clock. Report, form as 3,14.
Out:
3,58
